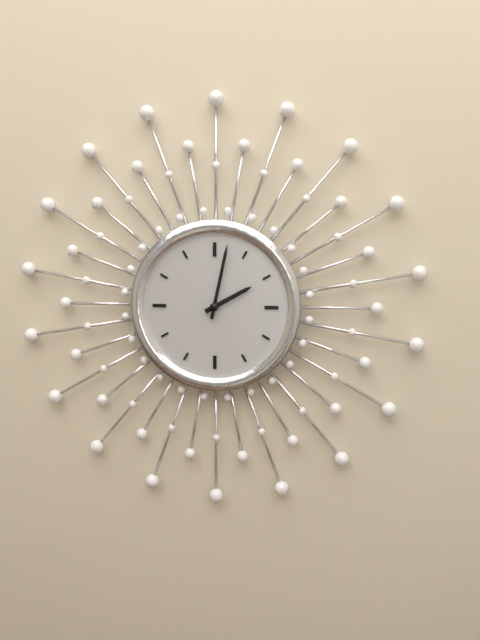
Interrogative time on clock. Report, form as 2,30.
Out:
2,02
